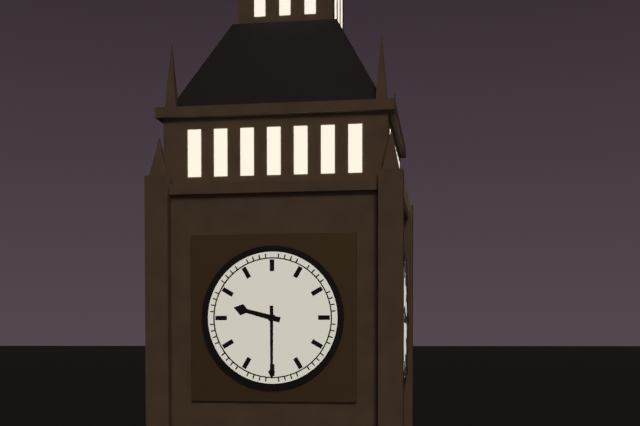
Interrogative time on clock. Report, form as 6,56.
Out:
9,30
